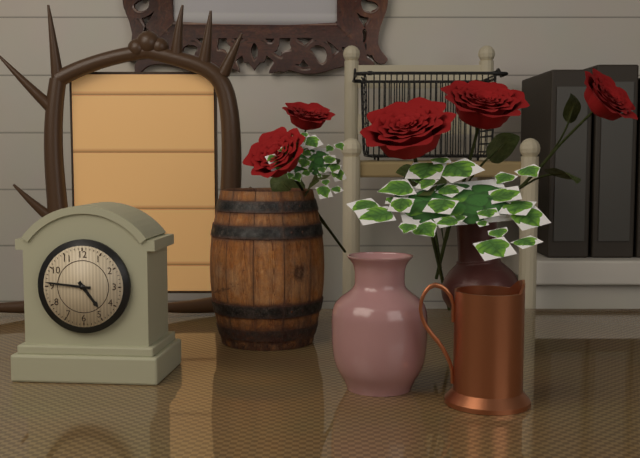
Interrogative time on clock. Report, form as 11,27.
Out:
4,46
